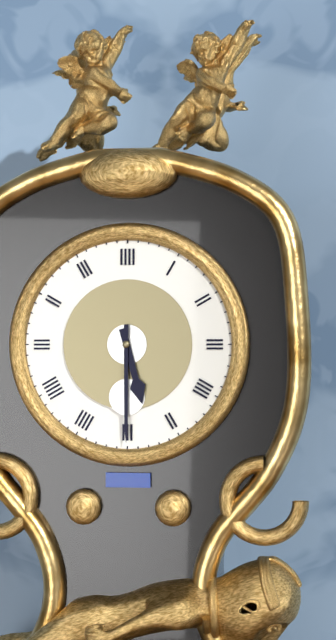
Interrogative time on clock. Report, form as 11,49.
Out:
5,30
